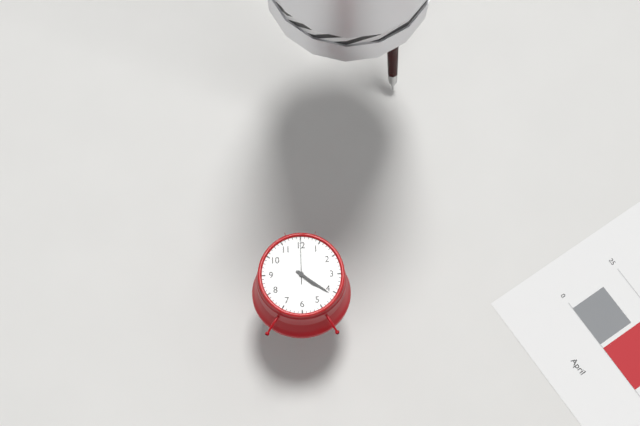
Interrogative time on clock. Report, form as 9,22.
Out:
4,21
